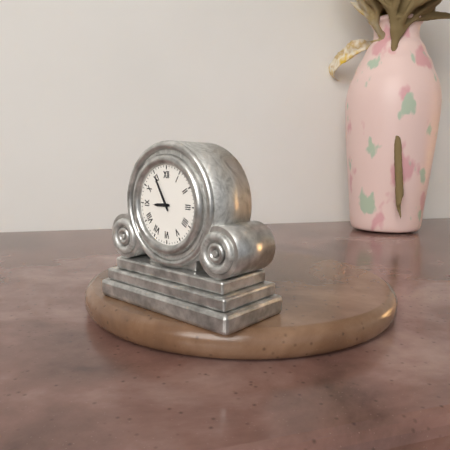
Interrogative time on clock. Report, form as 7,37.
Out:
8,55
